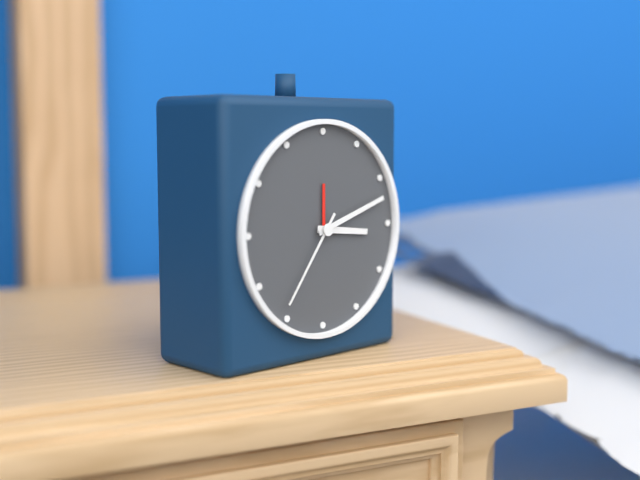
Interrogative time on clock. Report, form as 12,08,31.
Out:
3,12,36
